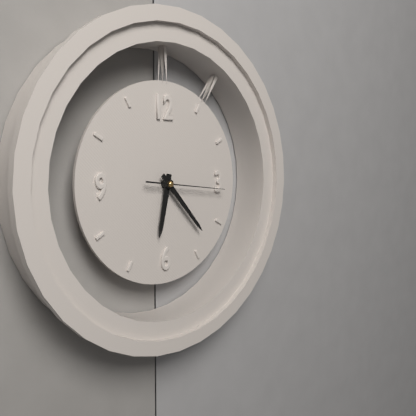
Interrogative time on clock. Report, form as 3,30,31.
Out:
6,23,16
